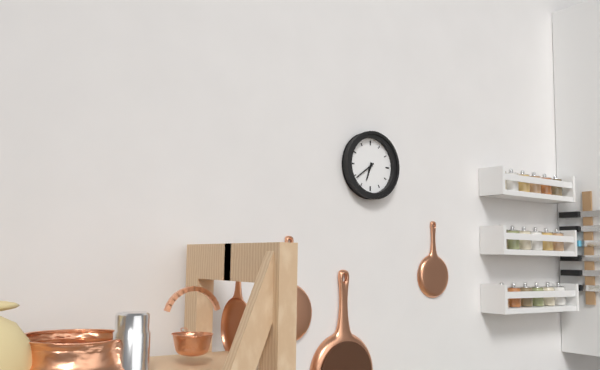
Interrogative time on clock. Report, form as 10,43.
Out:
6,39
